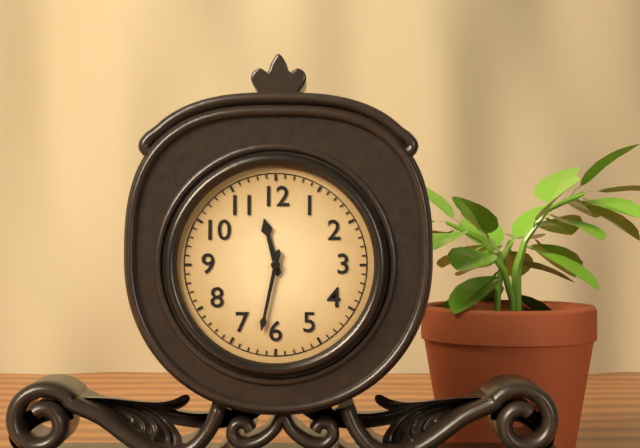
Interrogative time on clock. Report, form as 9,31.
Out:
11,32
